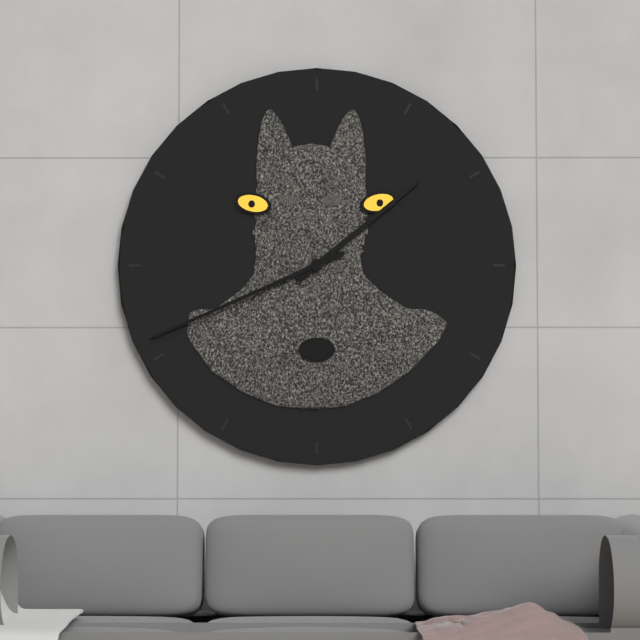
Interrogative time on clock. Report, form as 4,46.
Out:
1,41
